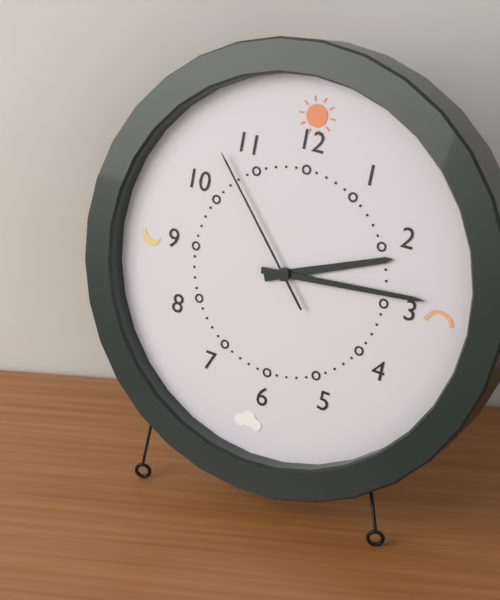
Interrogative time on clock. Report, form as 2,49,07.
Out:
2,14,53
